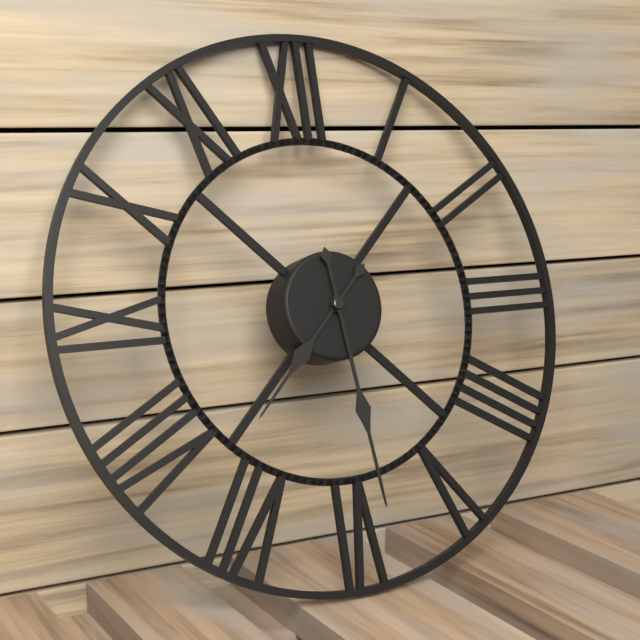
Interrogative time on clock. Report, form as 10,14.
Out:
7,29
